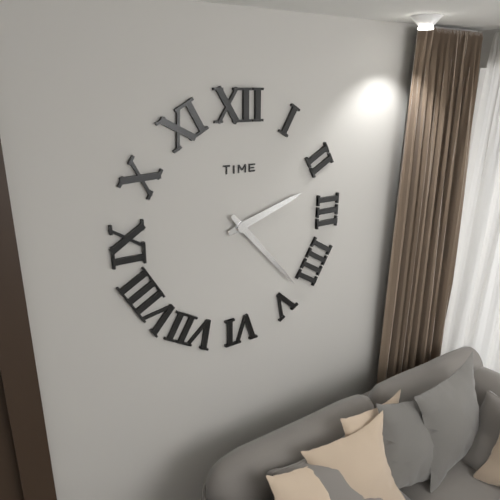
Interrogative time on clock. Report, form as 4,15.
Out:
2,23
